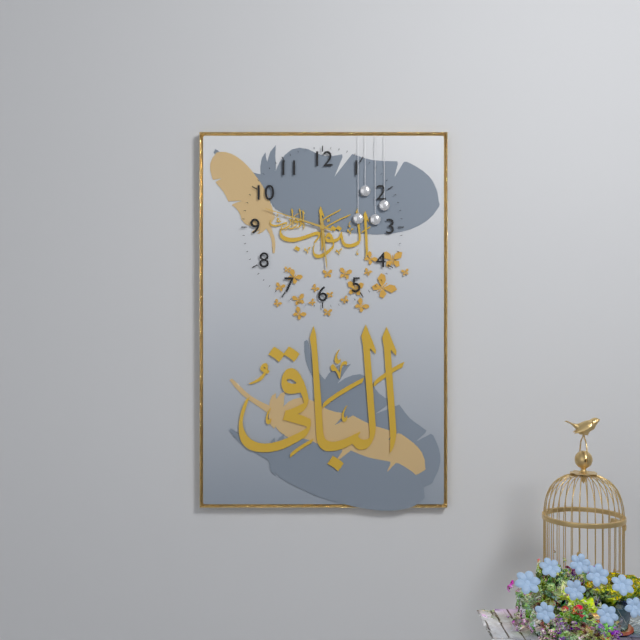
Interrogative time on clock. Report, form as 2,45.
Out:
5,48
